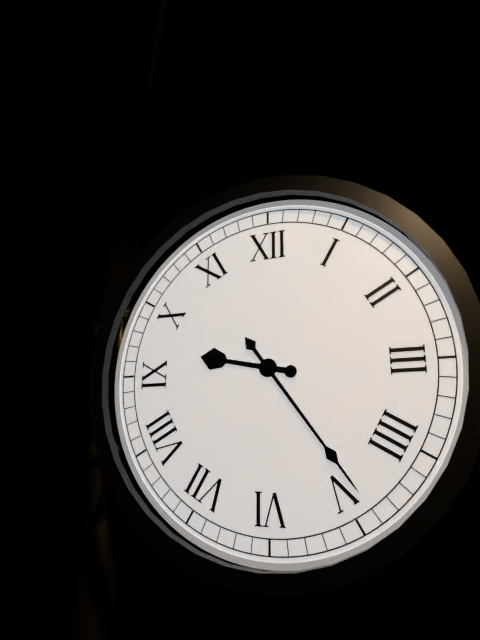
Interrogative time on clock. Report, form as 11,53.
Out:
9,24
